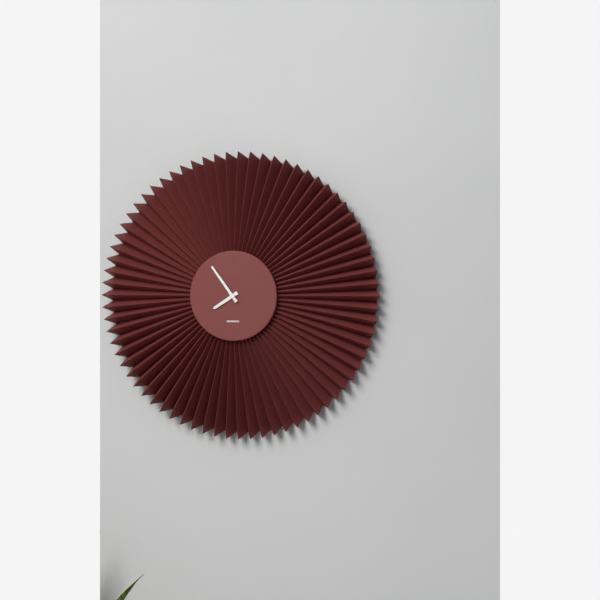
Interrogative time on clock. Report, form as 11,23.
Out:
7,54
